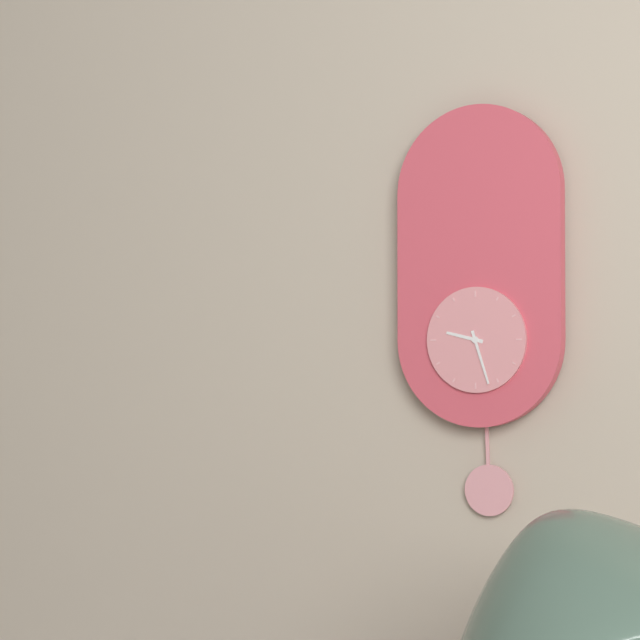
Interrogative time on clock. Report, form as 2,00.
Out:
9,27
